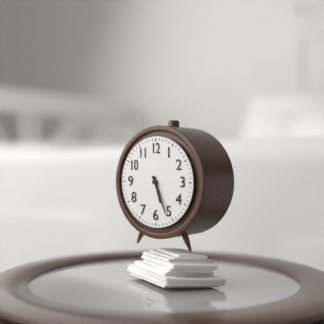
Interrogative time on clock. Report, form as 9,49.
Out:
5,26
